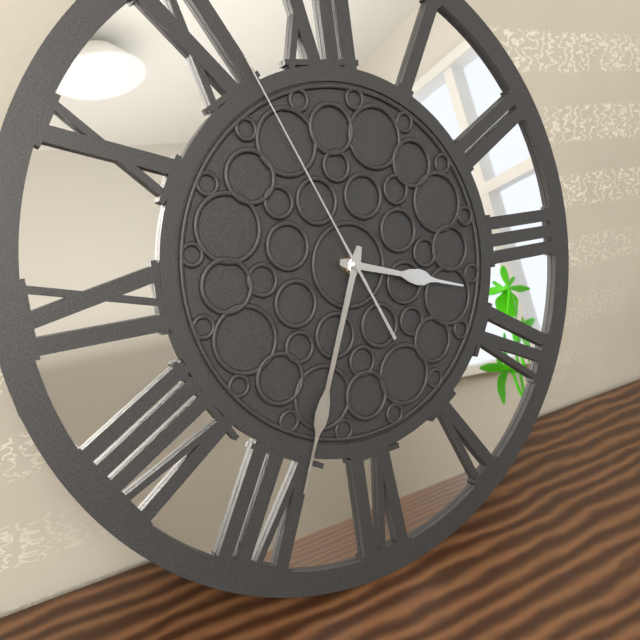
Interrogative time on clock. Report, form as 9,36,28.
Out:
3,34,56
